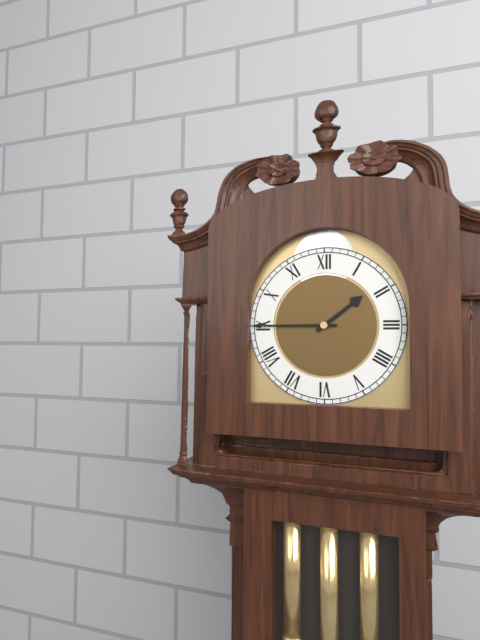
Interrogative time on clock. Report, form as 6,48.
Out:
1,45
